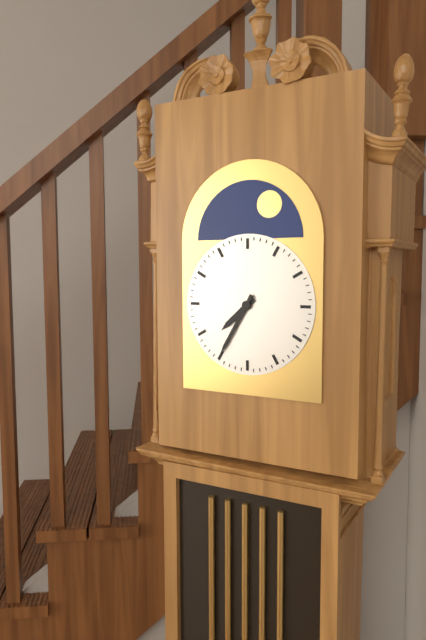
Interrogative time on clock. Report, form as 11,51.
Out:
7,35
